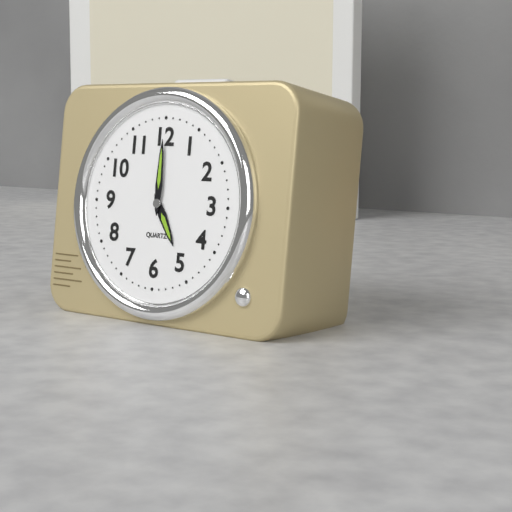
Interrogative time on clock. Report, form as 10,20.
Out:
5,00
